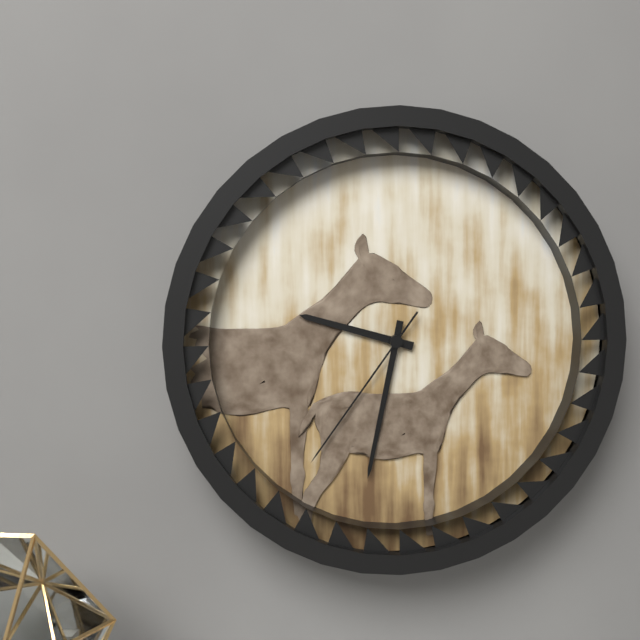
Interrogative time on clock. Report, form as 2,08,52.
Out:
9,32,36
